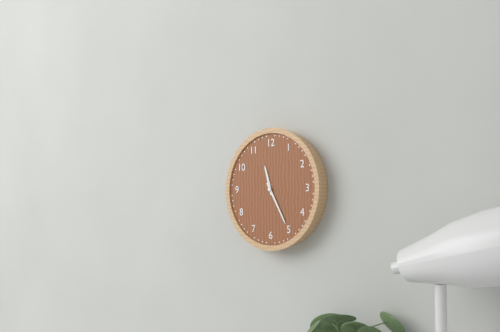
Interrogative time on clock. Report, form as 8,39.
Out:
11,25
